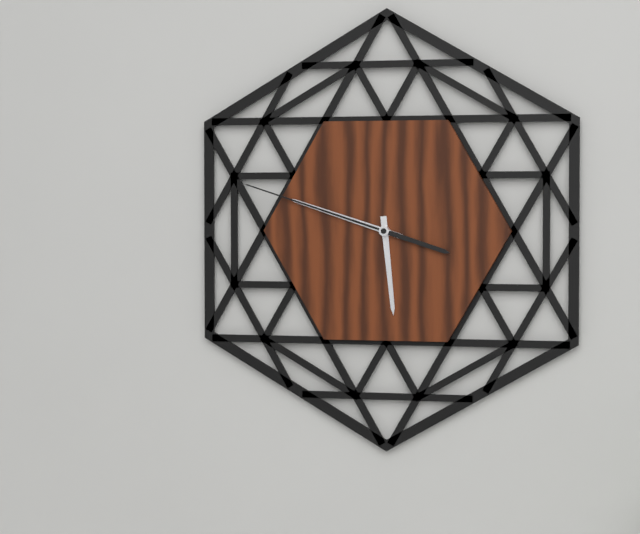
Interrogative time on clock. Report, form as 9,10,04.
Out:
5,48,48
